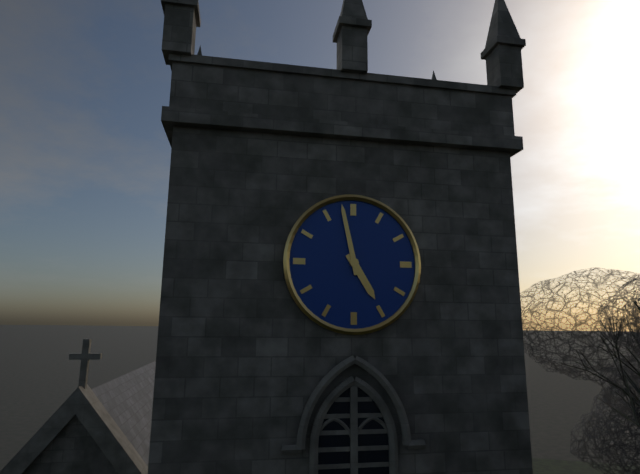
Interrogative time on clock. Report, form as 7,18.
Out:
4,58
